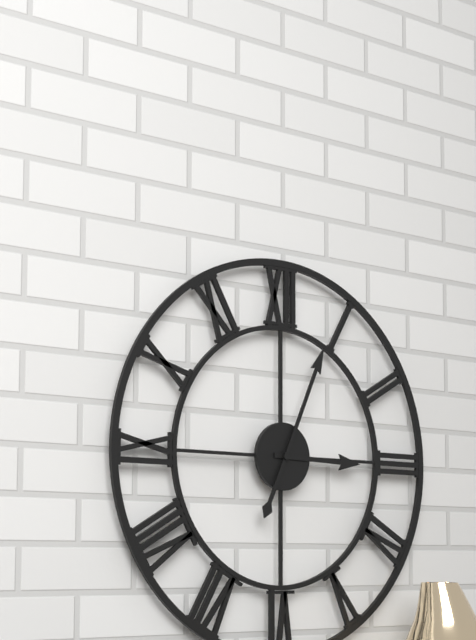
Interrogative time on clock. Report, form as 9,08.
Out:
3,04
